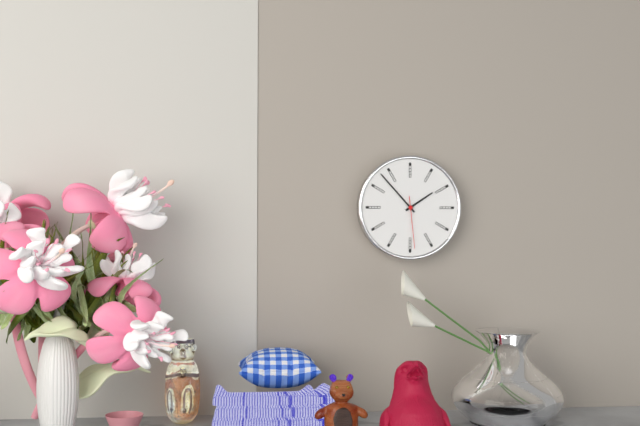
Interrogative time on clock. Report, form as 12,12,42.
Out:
1,53,29
